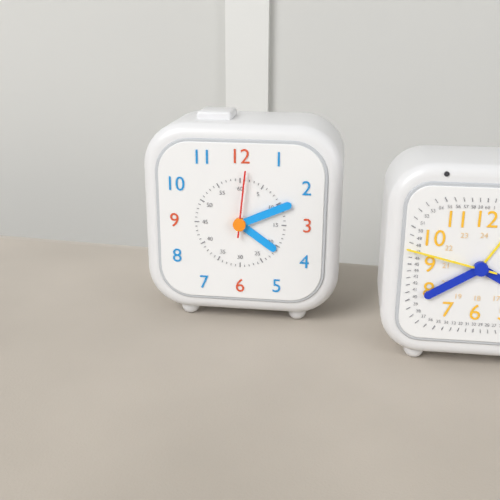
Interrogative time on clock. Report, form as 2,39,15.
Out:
4,11,01
